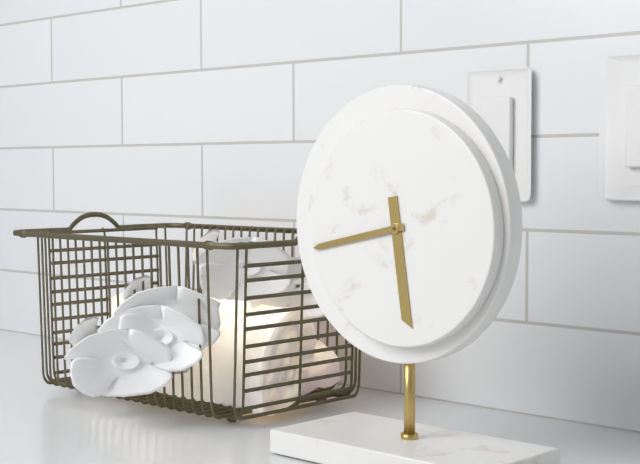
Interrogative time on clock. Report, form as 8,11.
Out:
5,43
